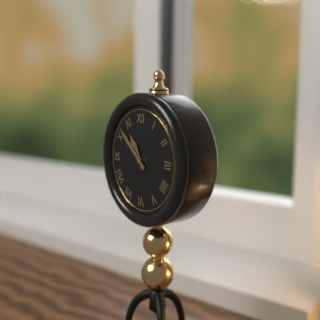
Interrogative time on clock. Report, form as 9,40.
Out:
10,52
